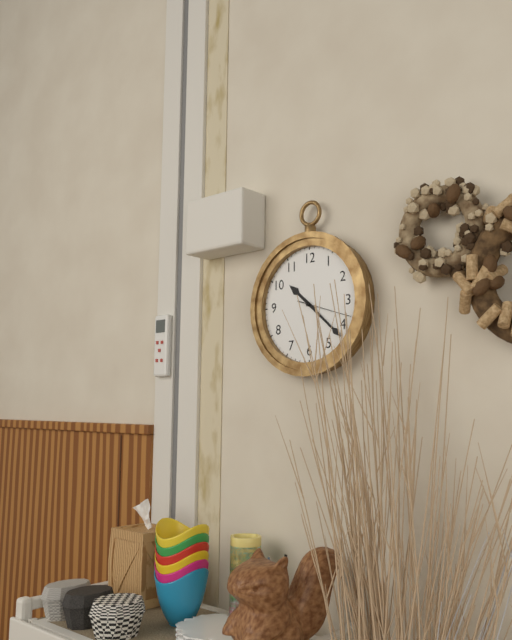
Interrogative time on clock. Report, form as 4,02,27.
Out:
10,22,18
